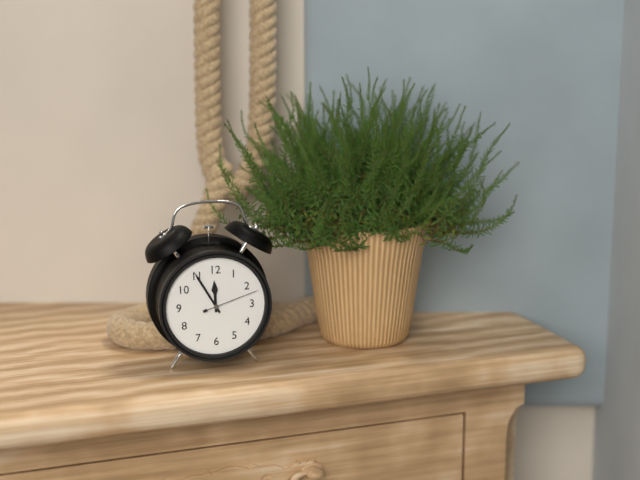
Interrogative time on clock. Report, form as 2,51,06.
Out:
11,55,12
